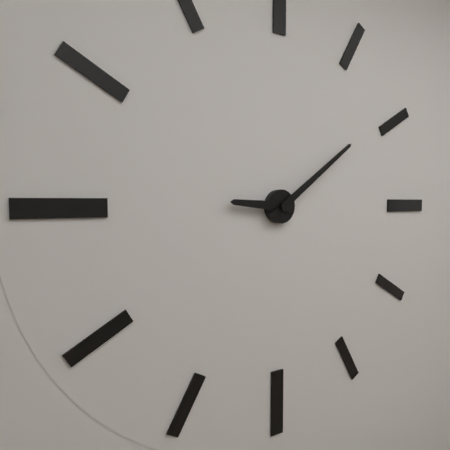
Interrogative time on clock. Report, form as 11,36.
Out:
9,09
